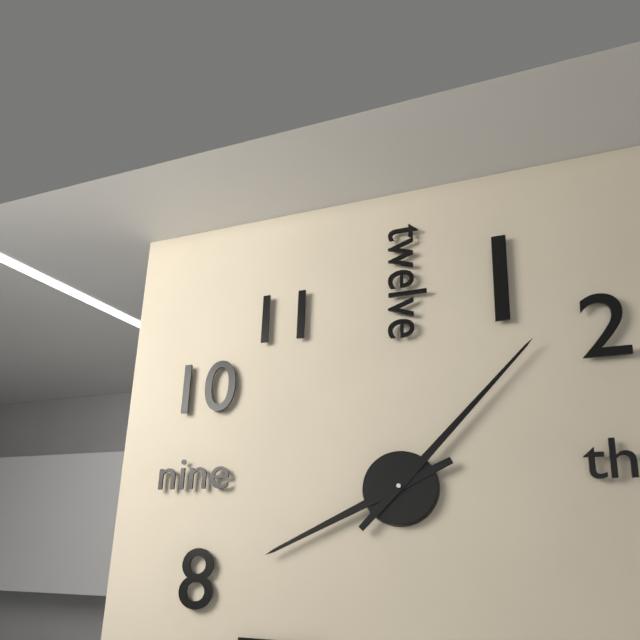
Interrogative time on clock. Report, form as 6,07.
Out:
8,07
